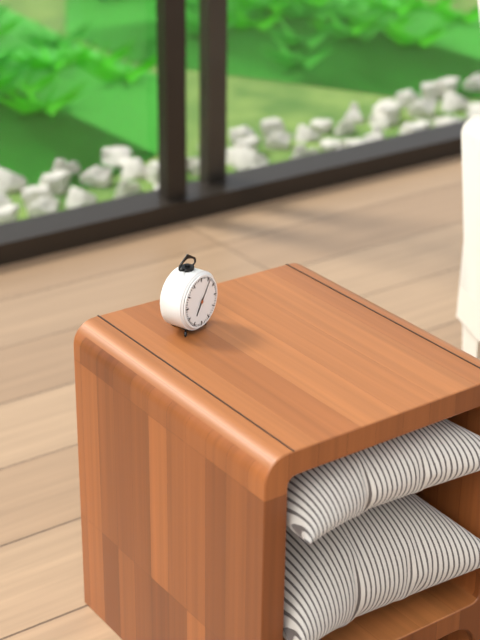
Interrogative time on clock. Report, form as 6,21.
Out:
7,06
